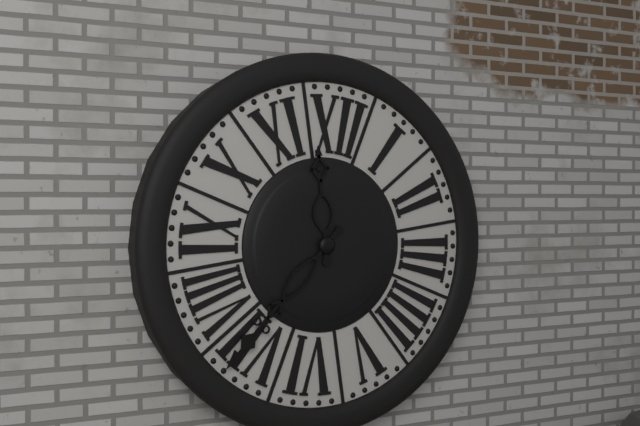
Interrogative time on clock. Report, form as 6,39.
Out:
11,36
